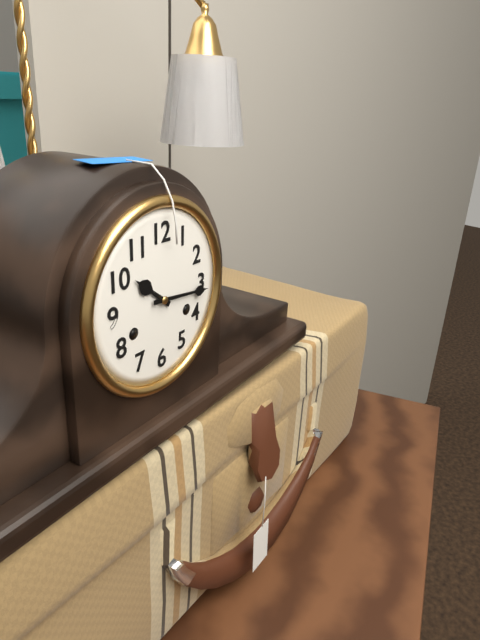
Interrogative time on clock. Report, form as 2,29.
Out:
10,16
